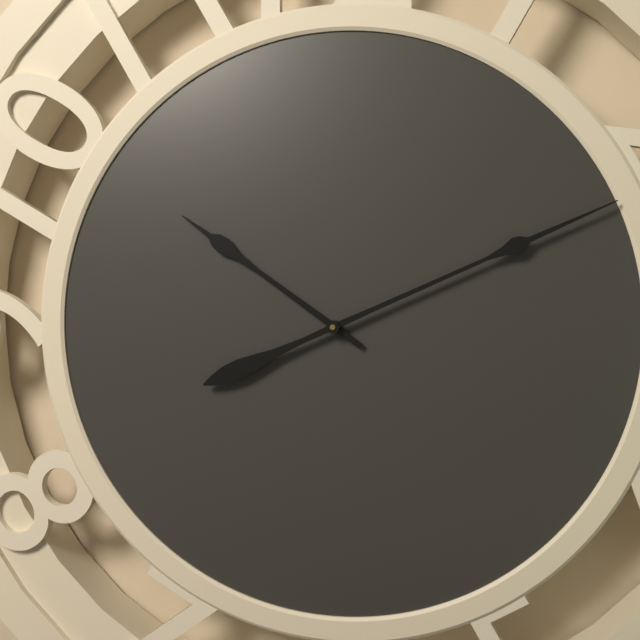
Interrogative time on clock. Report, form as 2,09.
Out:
10,11
